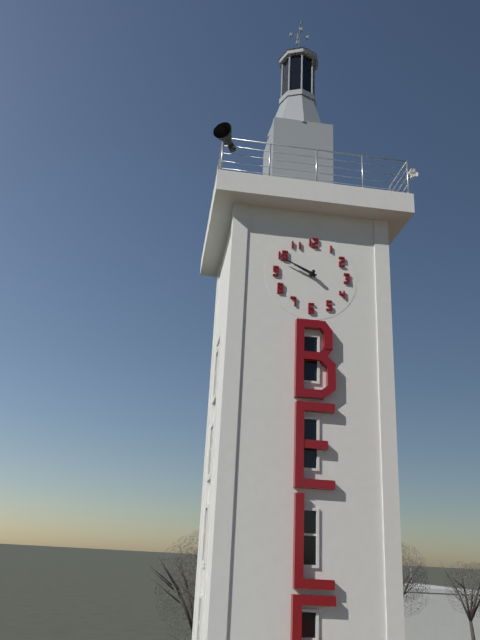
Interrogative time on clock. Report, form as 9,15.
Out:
9,49
